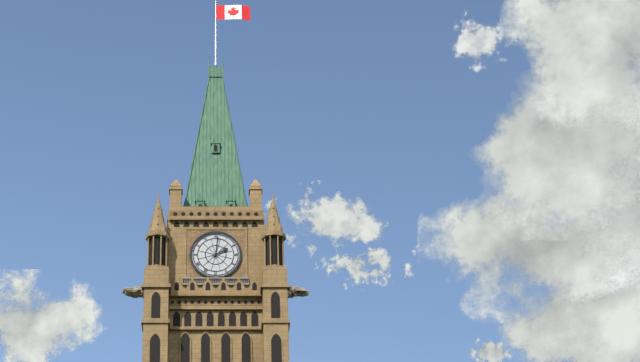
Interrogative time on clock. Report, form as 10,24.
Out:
2,01
